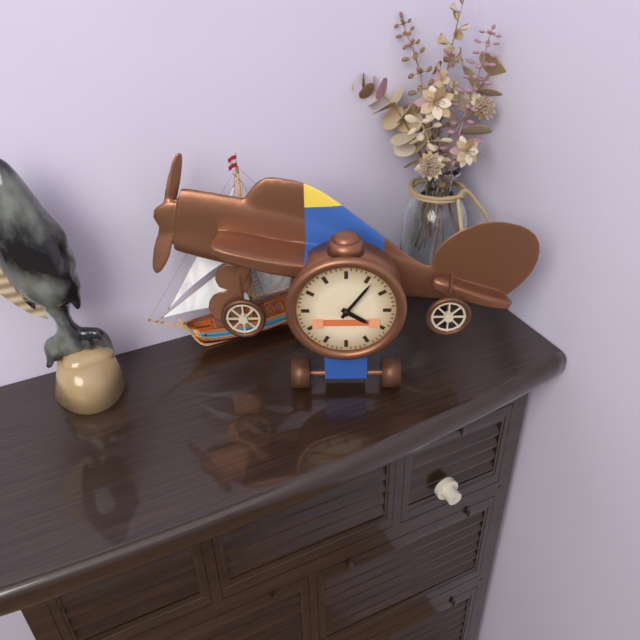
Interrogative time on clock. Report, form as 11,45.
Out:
4,06
